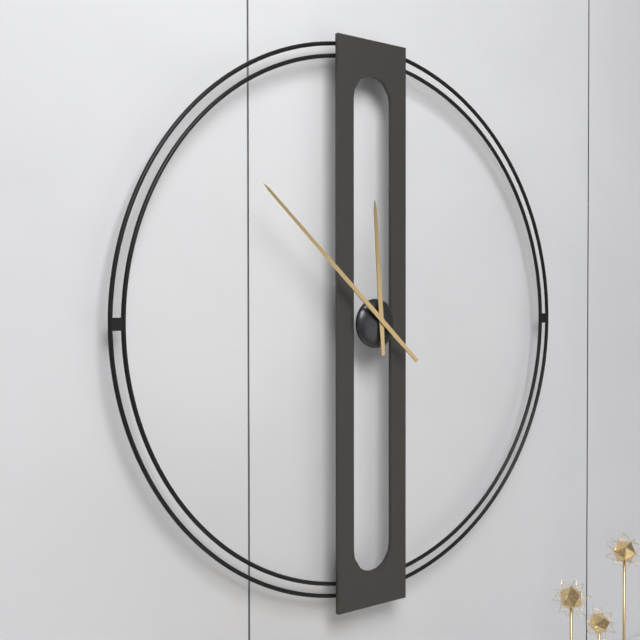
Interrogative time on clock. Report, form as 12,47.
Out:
11,52
